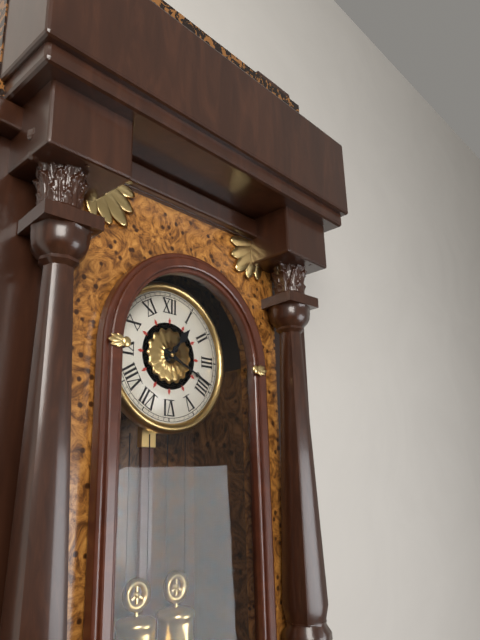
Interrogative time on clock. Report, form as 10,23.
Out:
1,19
